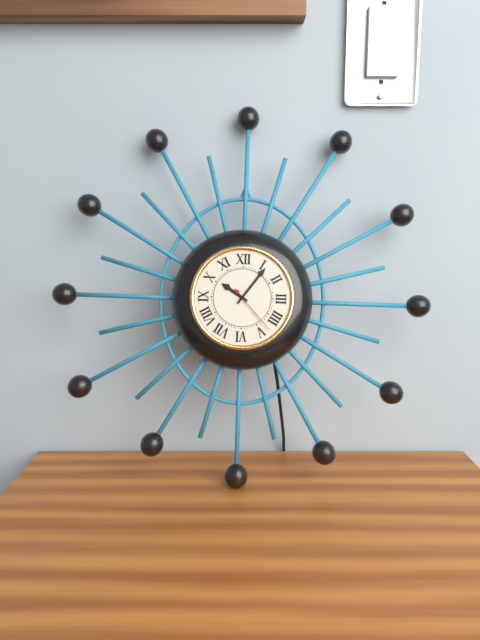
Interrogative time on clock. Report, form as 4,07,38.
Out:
10,06,23
